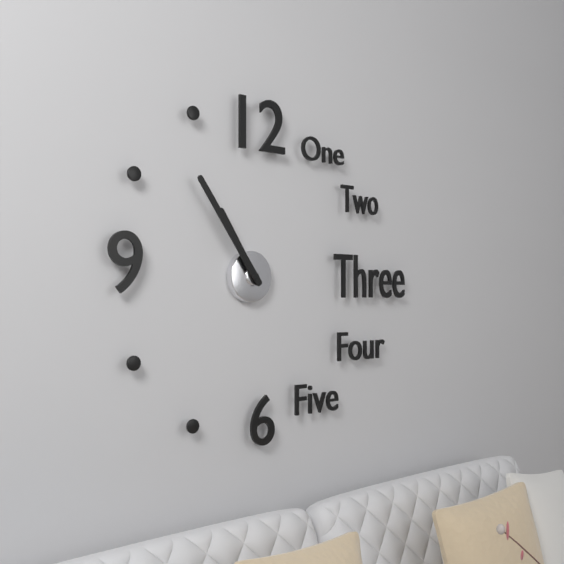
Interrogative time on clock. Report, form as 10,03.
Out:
10,54
